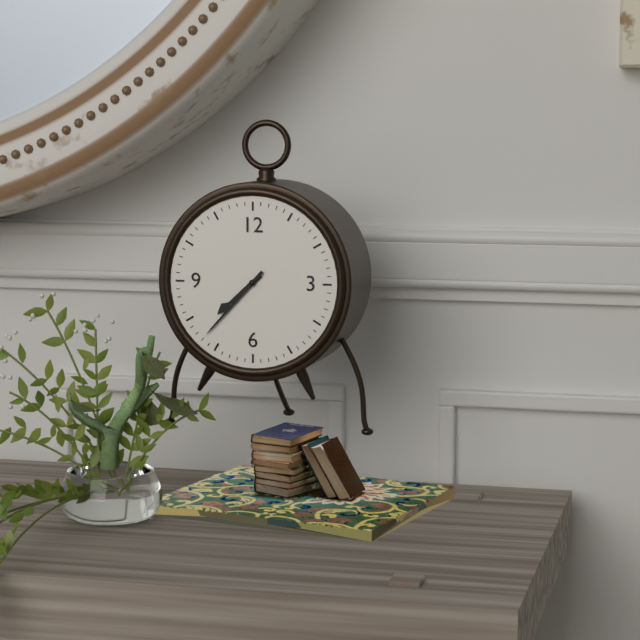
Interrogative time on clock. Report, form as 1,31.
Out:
7,37
